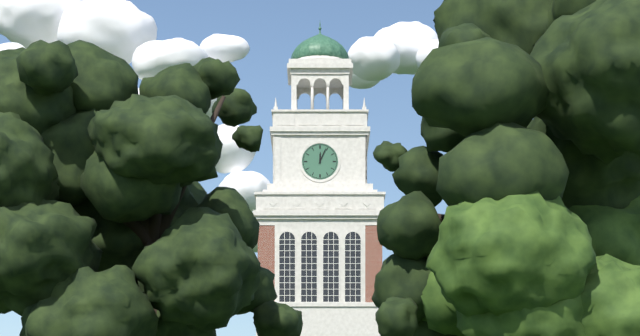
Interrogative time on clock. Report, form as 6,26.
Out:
12,04
